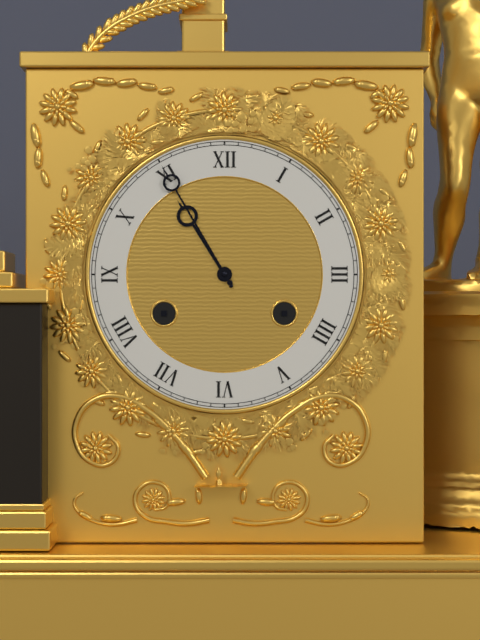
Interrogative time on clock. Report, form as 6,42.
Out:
10,55
